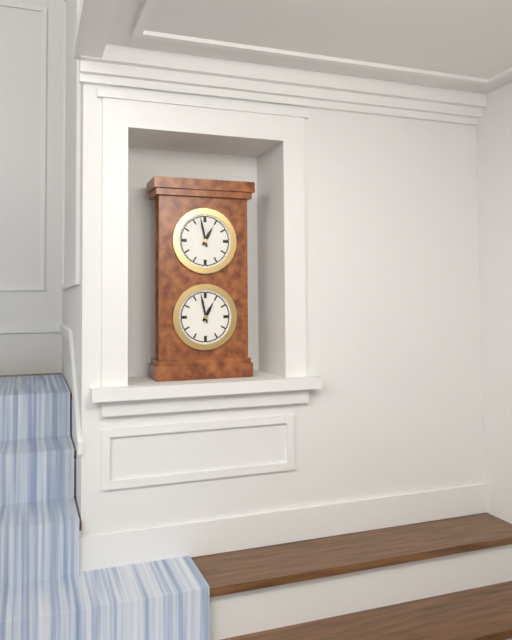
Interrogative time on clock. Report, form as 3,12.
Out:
12,58
